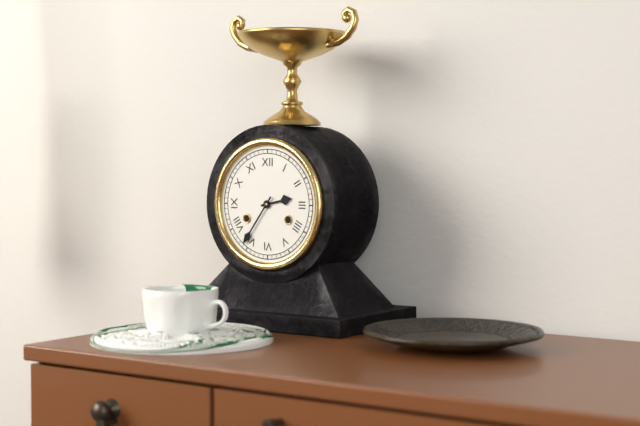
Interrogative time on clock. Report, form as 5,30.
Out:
2,36
